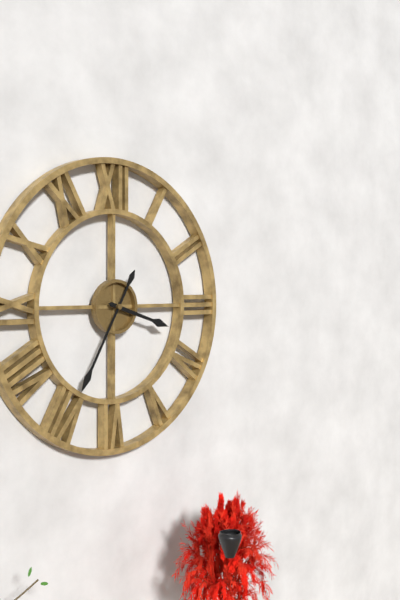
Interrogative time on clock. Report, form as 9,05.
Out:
3,35
